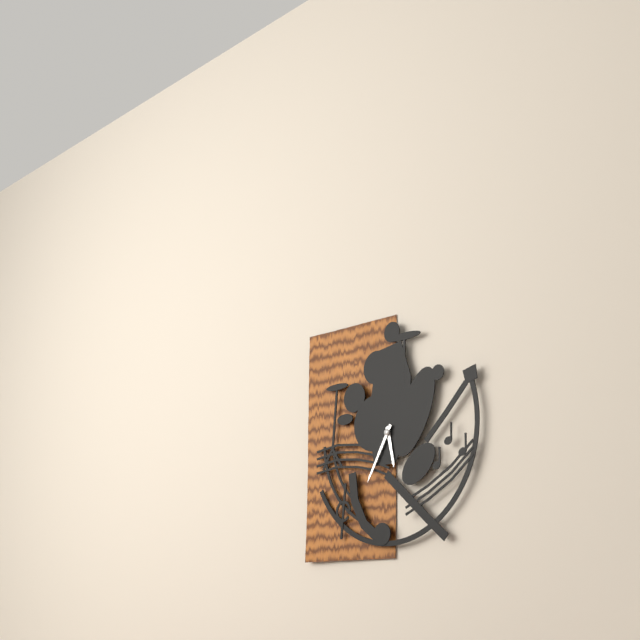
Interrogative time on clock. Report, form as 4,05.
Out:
5,35
